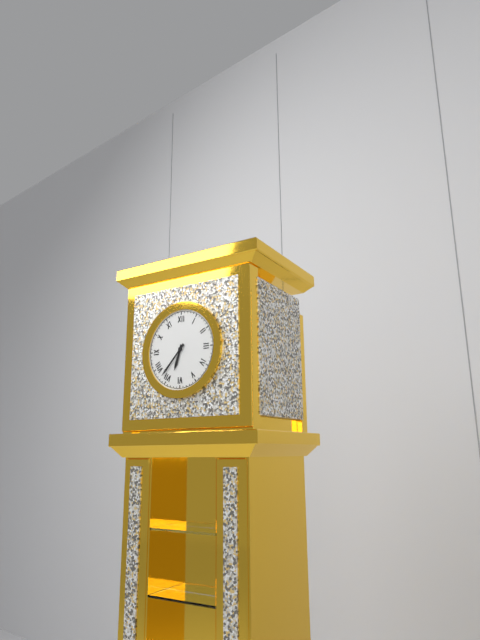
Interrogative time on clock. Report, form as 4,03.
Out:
6,37
